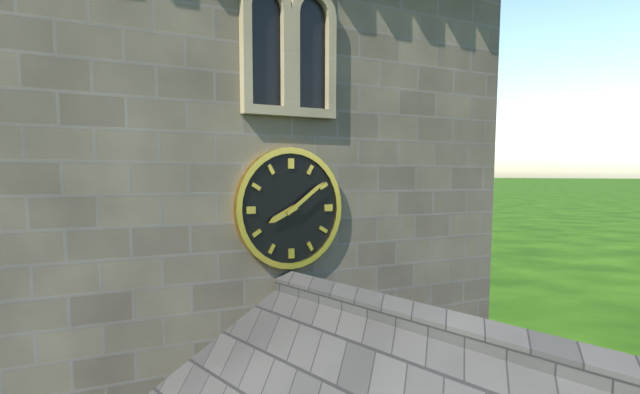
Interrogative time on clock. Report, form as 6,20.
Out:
8,09
